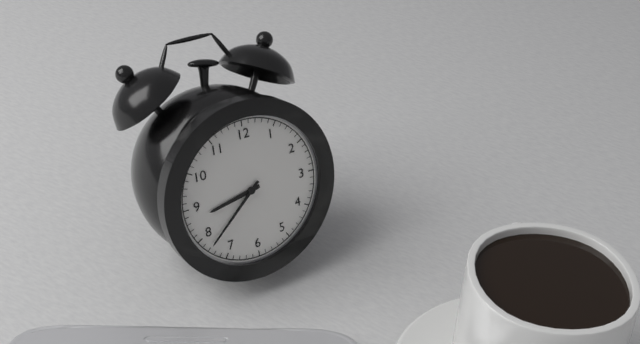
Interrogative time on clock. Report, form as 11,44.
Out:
8,38
